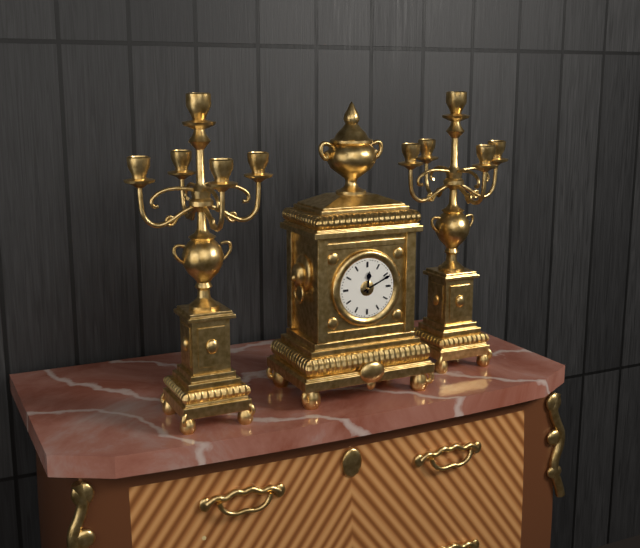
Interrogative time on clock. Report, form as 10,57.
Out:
12,11
